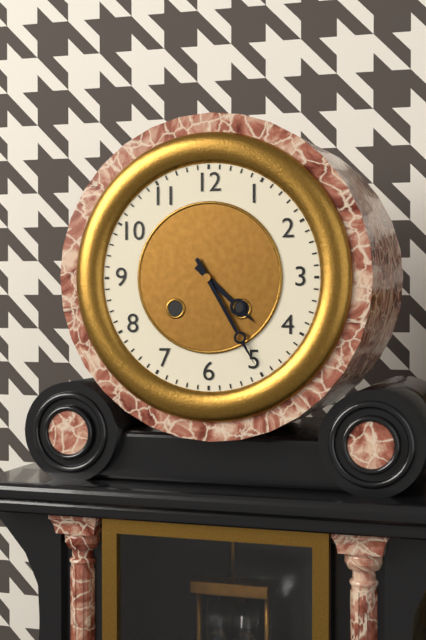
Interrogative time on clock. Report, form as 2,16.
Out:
4,25
